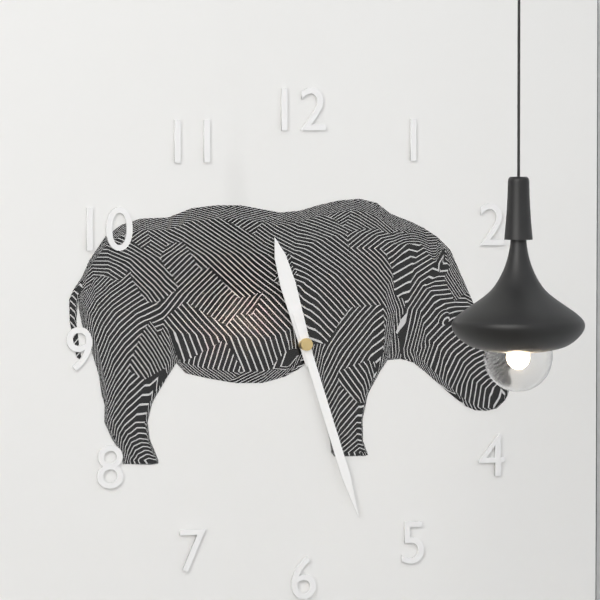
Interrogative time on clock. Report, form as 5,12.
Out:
11,27
